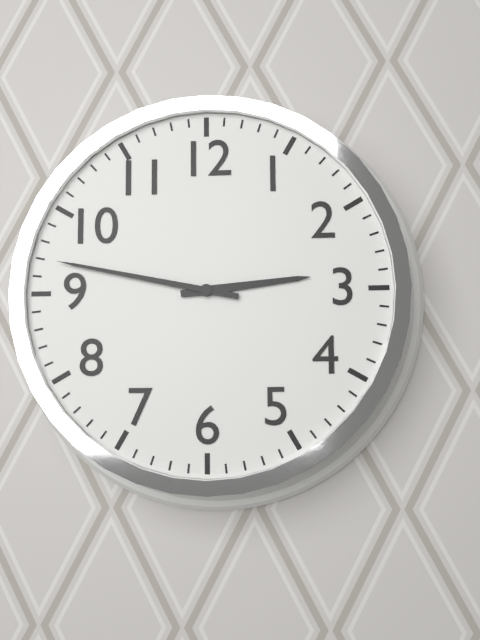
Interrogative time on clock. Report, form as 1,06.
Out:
2,47
